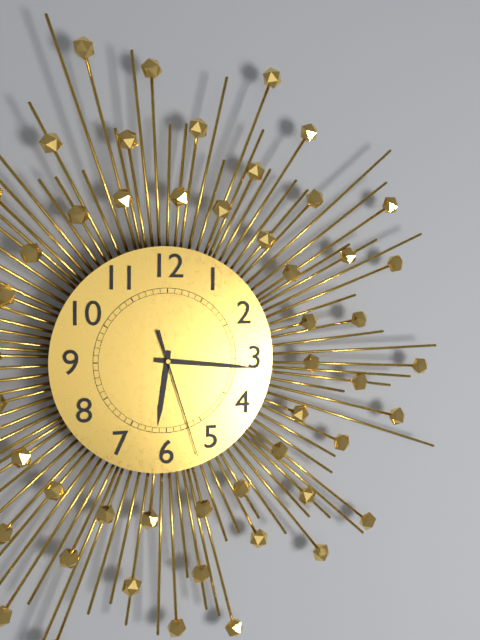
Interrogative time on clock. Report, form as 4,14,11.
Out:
6,16,27
